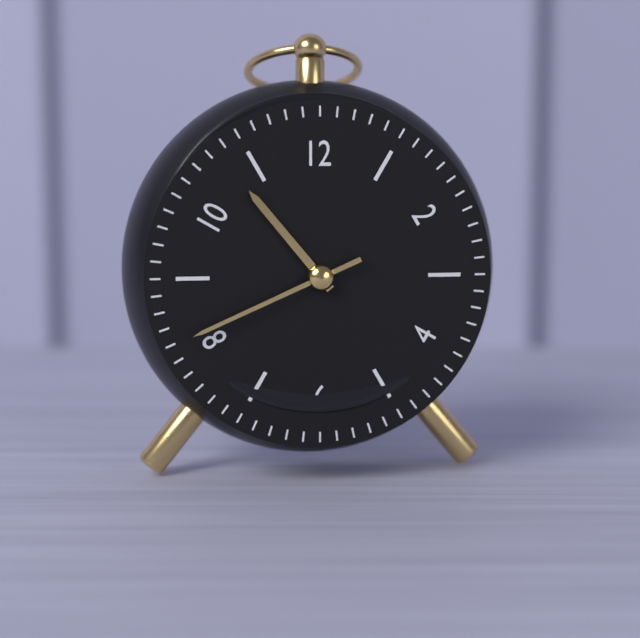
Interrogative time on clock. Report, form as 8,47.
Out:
10,41
